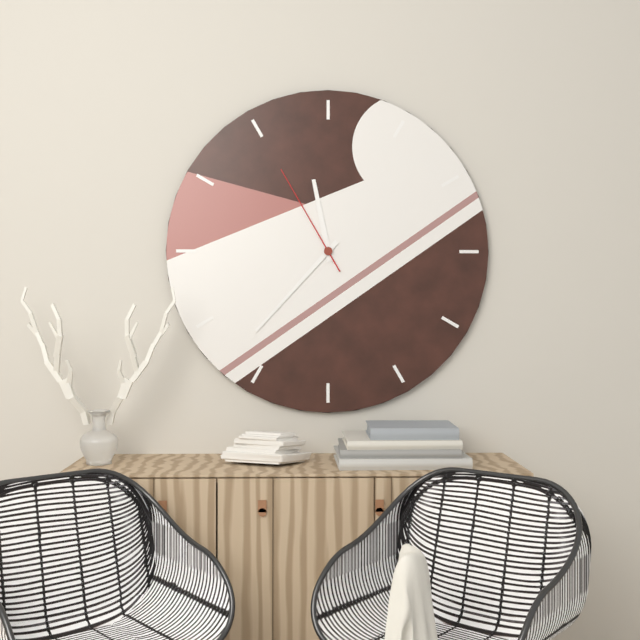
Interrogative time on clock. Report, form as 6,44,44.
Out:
11,37,55
